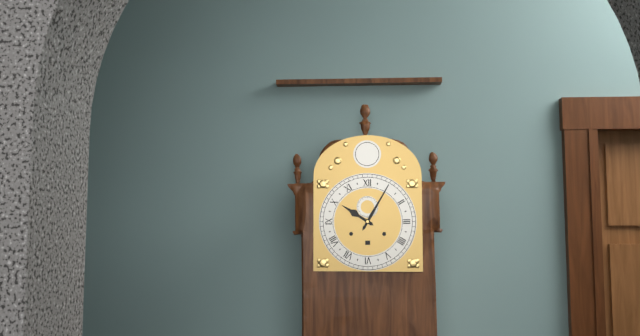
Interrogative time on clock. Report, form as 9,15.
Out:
10,05
